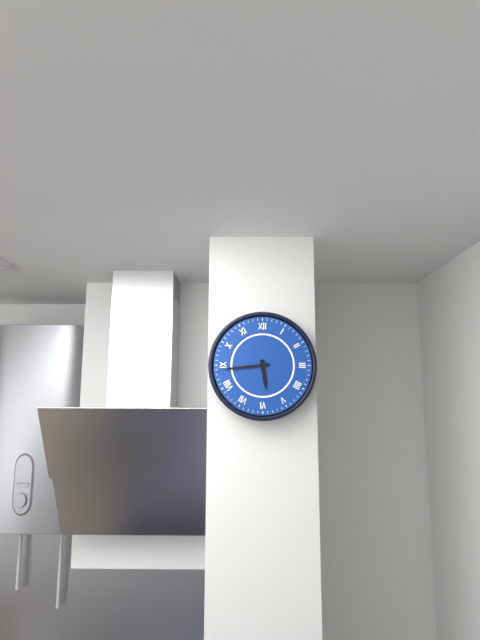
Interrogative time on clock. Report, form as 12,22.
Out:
5,44
